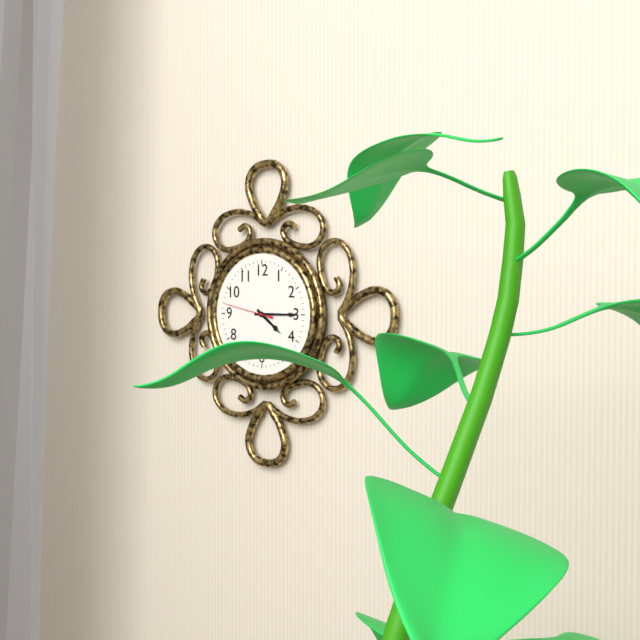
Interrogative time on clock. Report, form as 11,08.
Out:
4,15
